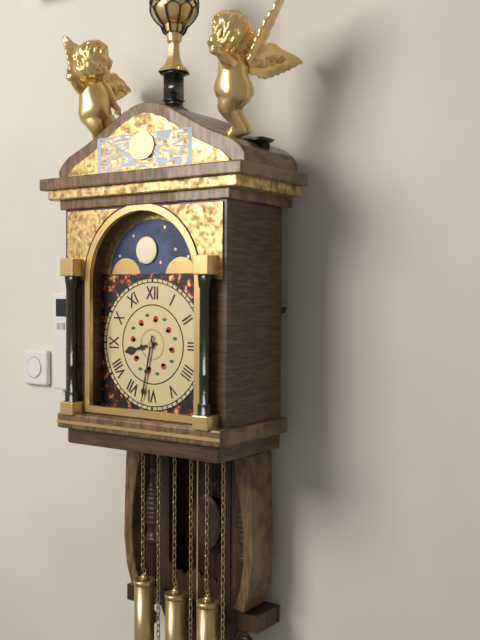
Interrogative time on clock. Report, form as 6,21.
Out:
8,32
